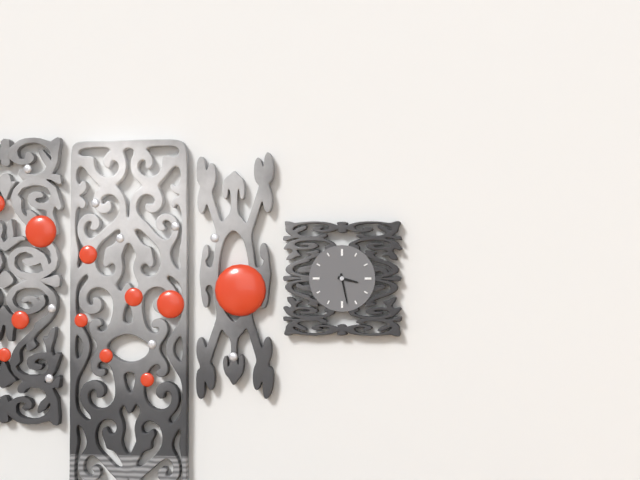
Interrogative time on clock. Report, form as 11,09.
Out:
3,28
